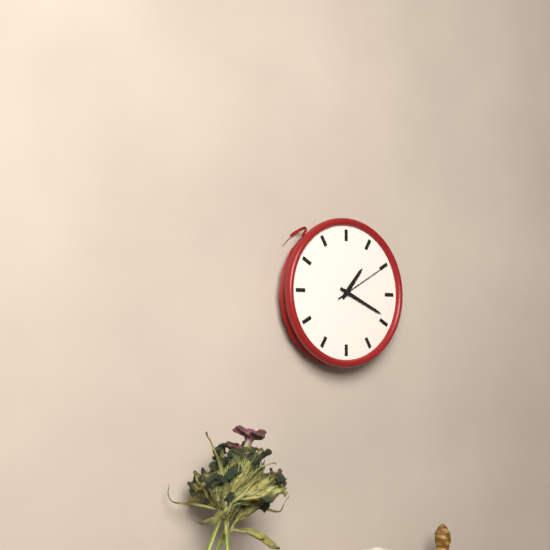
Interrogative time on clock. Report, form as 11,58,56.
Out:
1,19,10
